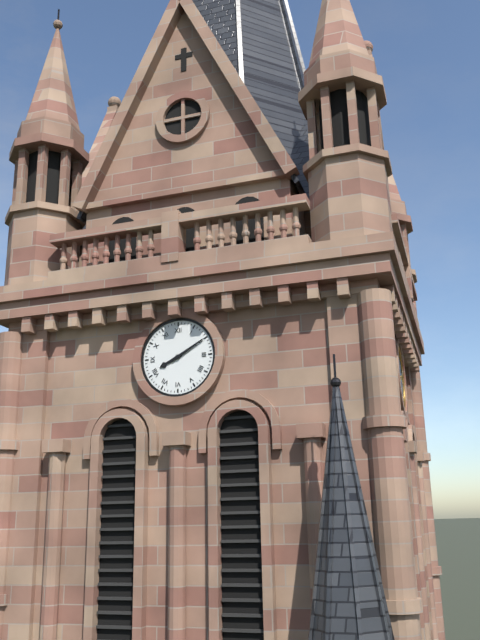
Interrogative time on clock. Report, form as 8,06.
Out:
8,10
